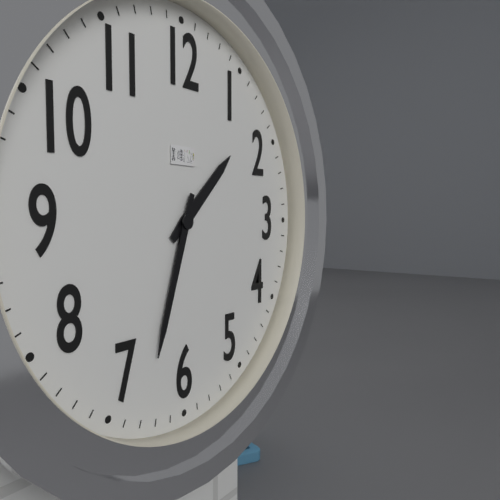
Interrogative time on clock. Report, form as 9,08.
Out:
1,33
